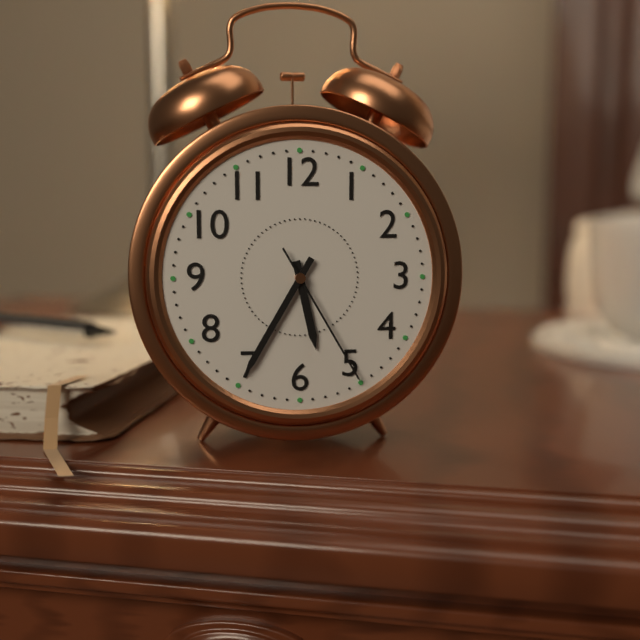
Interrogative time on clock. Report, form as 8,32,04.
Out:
5,35,25
